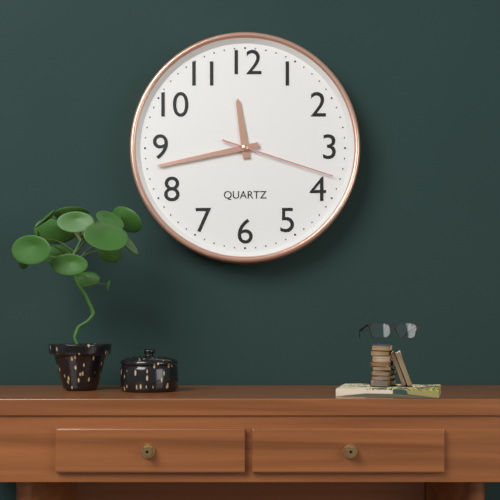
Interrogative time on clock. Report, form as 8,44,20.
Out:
11,43,18
